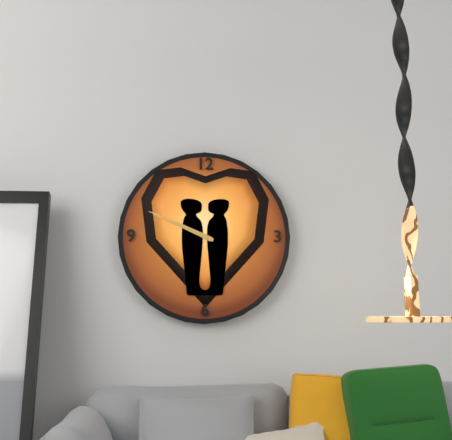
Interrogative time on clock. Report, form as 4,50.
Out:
9,49
